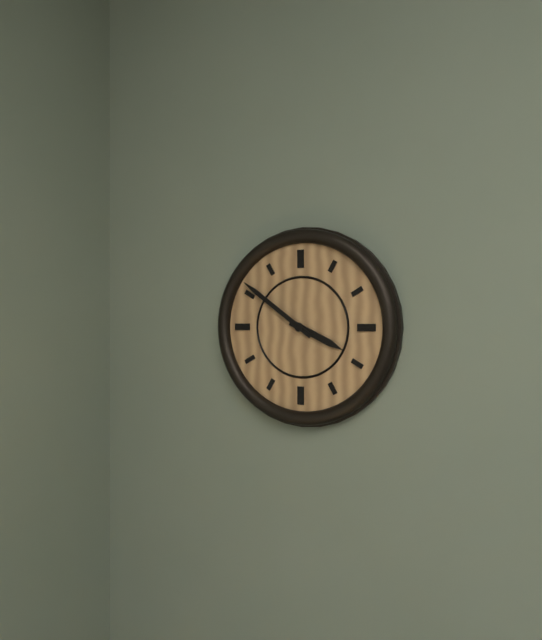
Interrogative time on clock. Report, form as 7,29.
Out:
3,51
